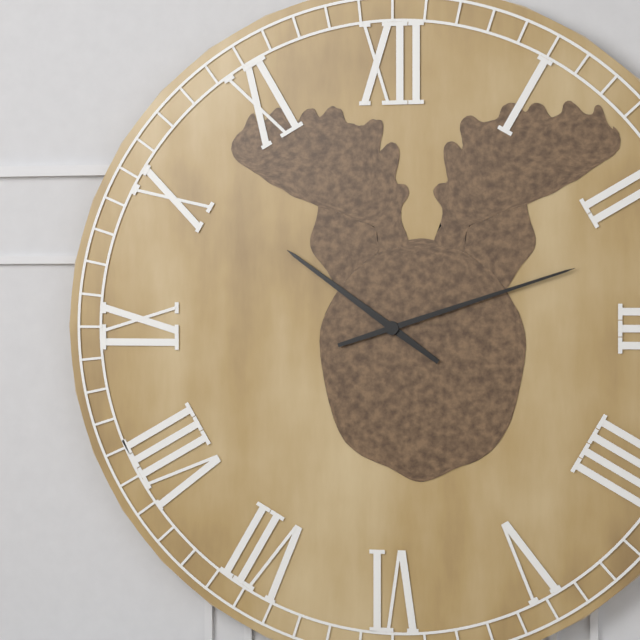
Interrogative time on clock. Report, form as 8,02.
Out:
10,12
